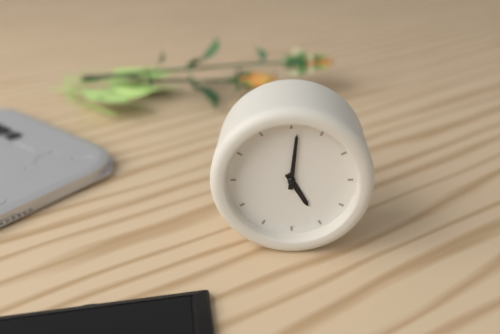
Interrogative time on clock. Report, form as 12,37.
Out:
5,01
